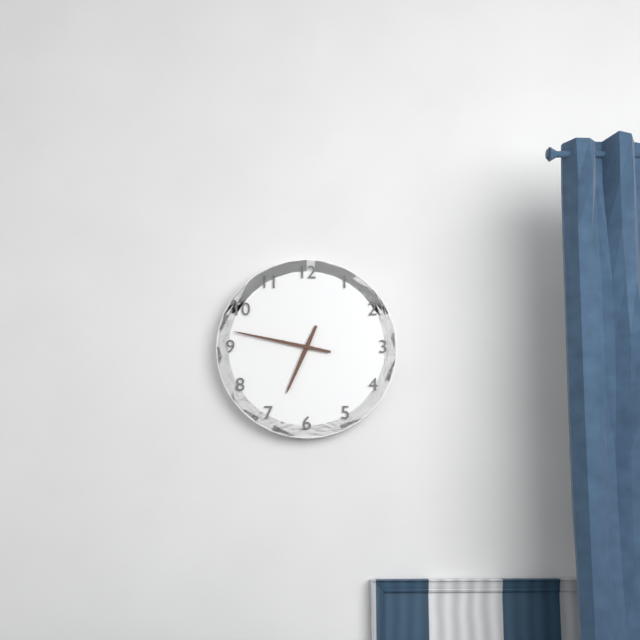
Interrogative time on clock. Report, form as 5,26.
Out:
6,47
